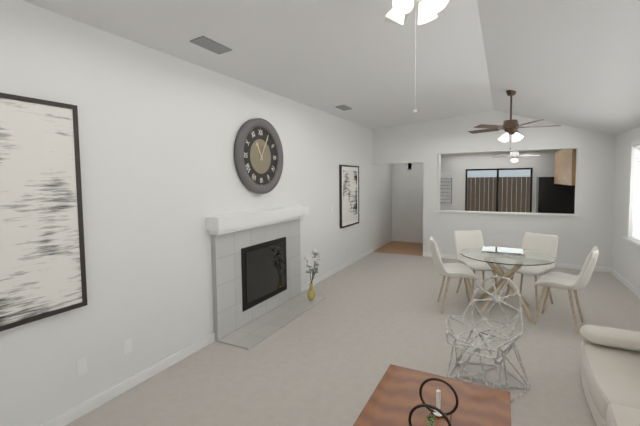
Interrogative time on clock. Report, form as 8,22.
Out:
11,05
